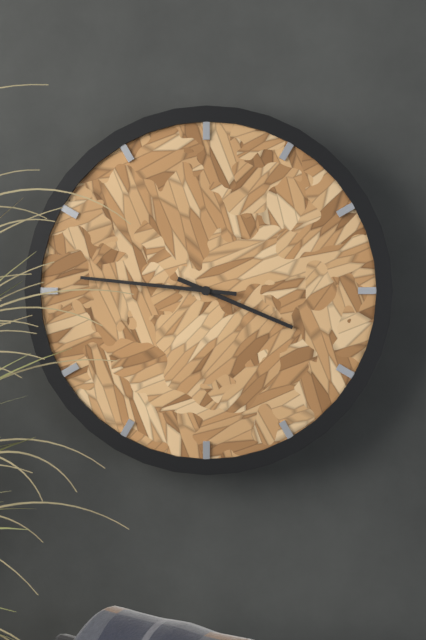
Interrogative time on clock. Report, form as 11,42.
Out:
3,46
